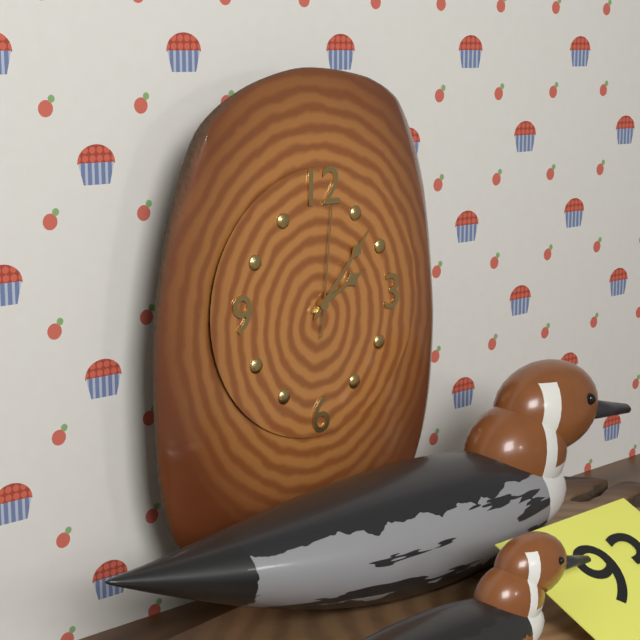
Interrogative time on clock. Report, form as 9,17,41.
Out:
2,07,01
